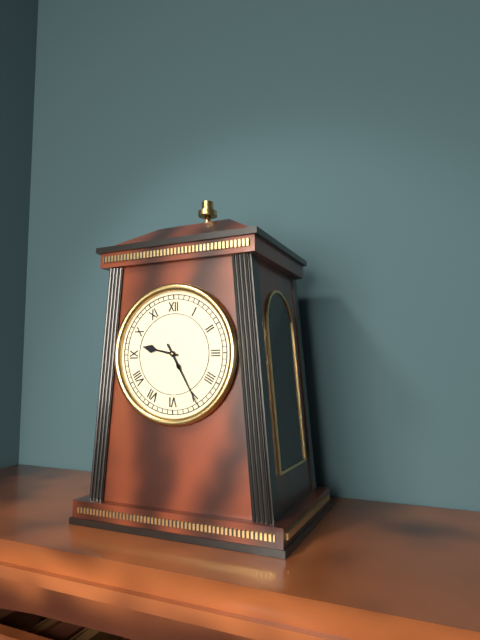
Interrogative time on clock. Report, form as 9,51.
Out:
9,25
